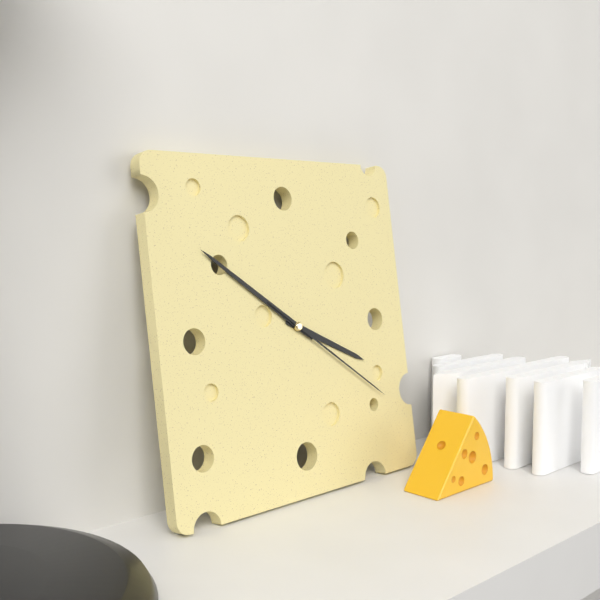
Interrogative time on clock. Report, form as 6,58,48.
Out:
3,51,21
